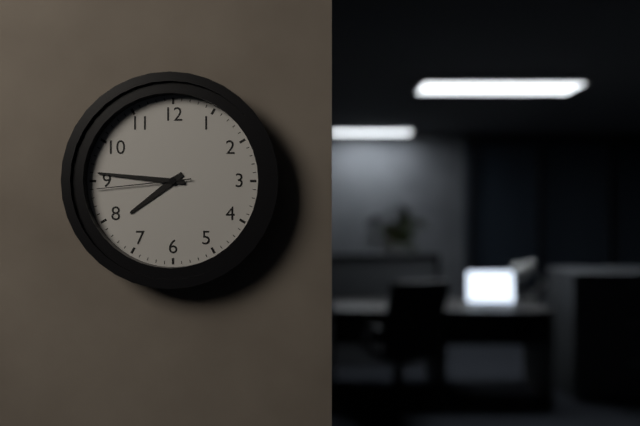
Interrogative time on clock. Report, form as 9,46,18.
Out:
7,46,44
